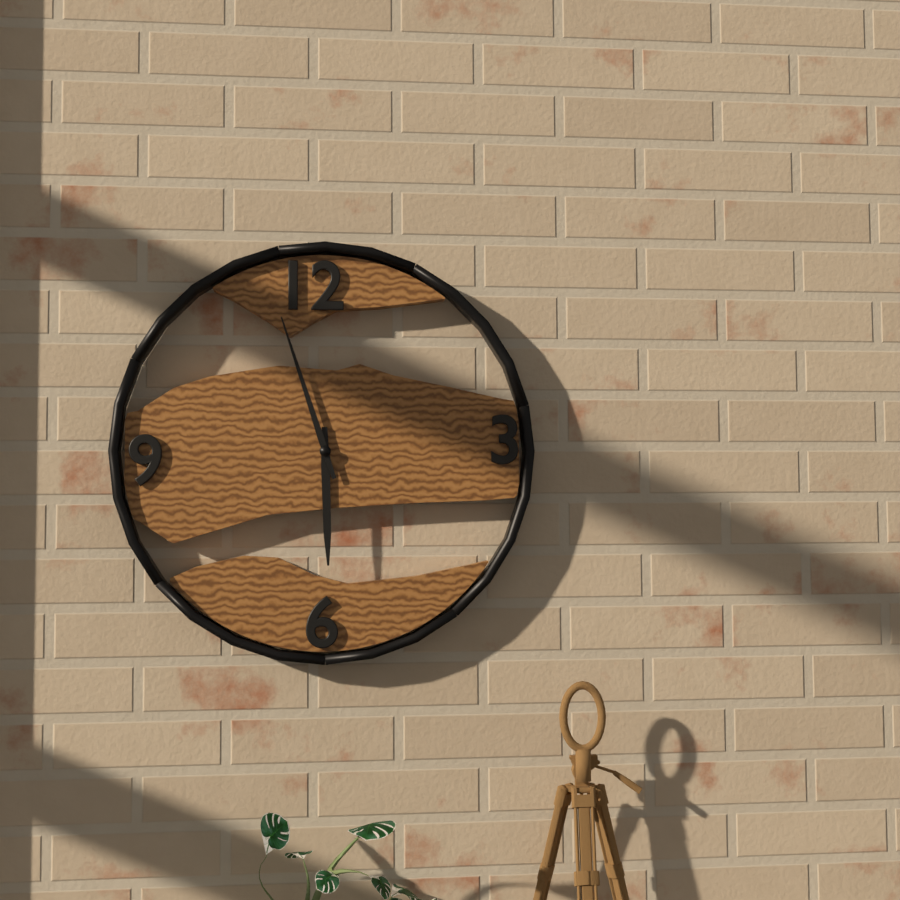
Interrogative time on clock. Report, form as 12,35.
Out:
5,57
